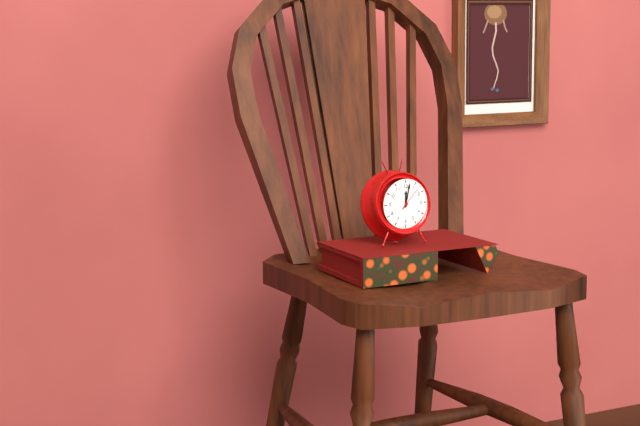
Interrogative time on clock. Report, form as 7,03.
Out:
12,02
